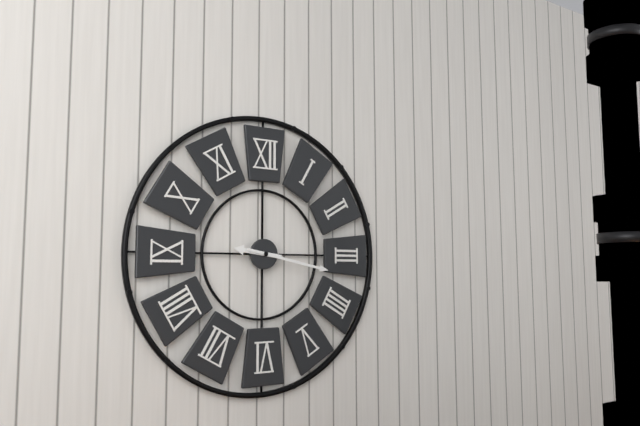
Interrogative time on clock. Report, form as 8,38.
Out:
9,17
